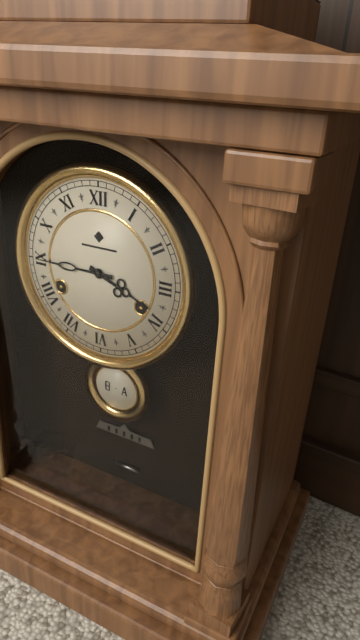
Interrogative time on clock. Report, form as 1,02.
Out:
3,45
